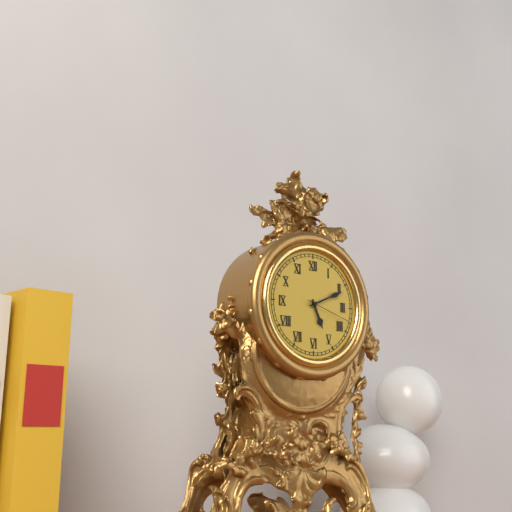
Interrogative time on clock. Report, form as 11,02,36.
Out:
5,11,18
